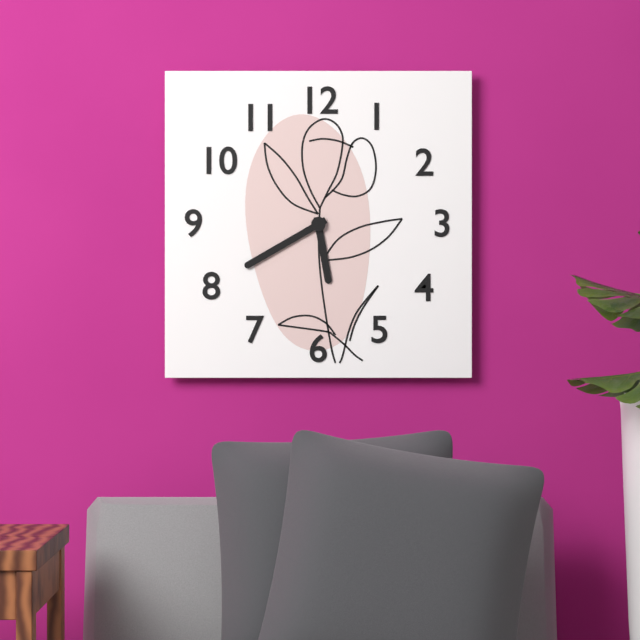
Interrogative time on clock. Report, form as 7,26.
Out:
5,40
